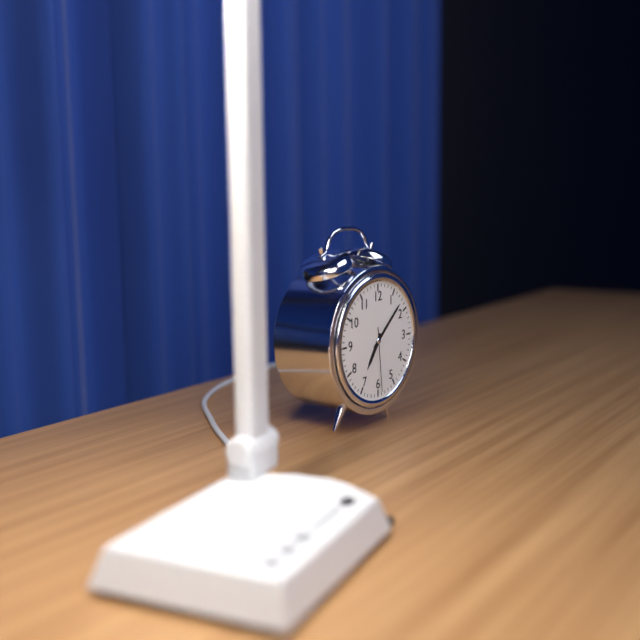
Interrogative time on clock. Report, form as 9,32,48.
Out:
7,08,29
